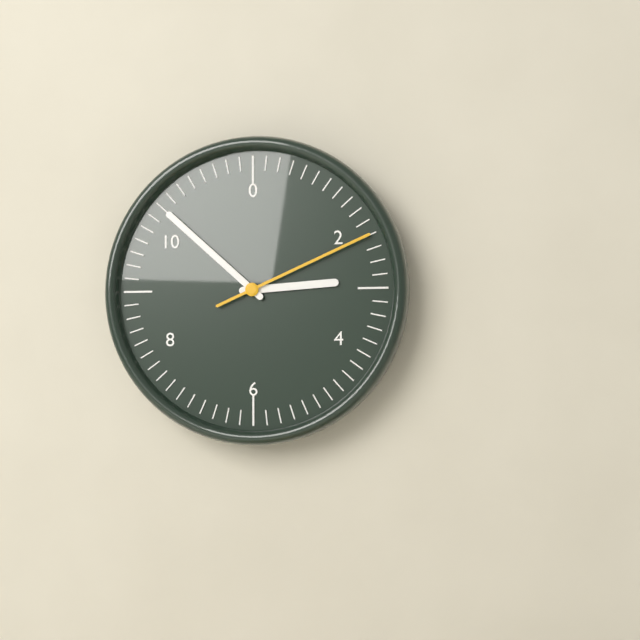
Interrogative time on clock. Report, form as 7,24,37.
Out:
2,52,11
